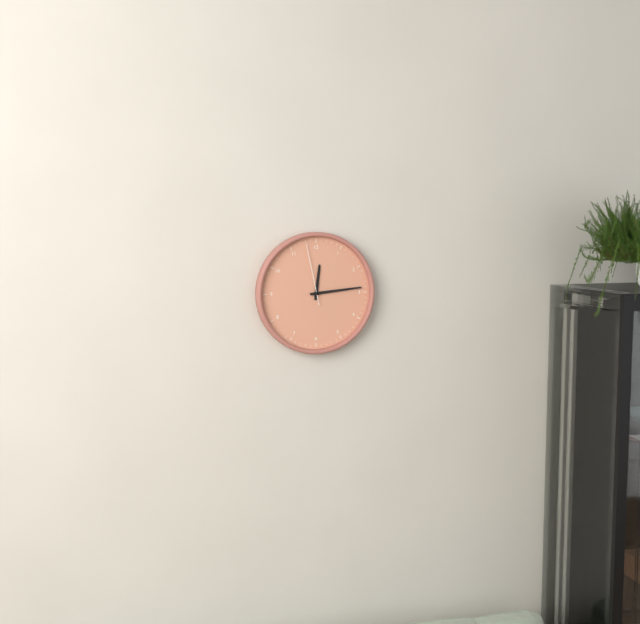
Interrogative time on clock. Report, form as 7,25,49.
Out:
12,14,58
